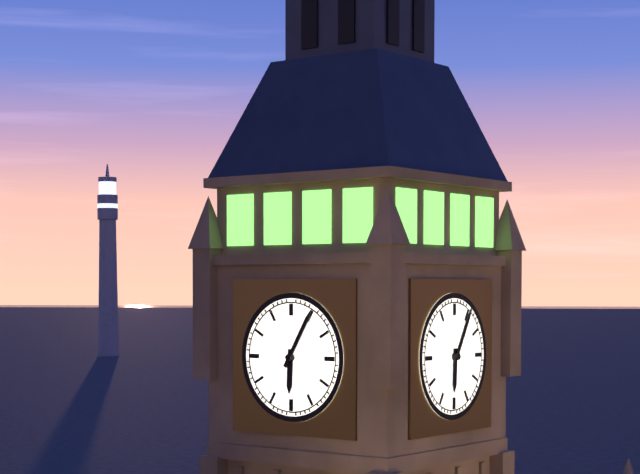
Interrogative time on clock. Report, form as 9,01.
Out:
6,05
